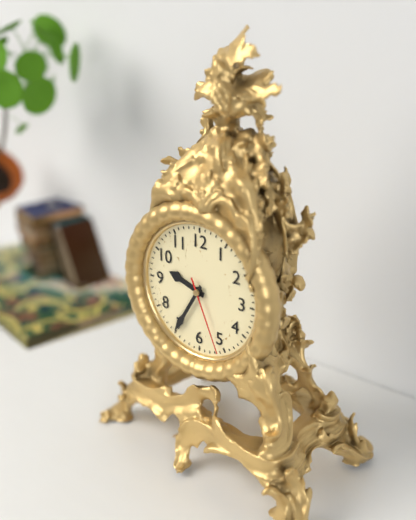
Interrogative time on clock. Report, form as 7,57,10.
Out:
9,35,26
